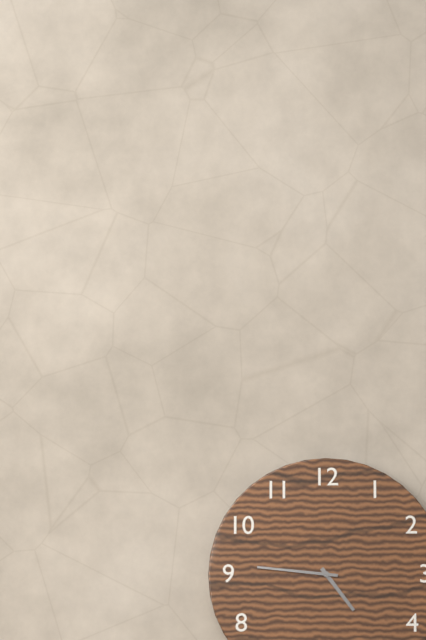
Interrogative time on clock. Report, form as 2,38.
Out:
4,46
